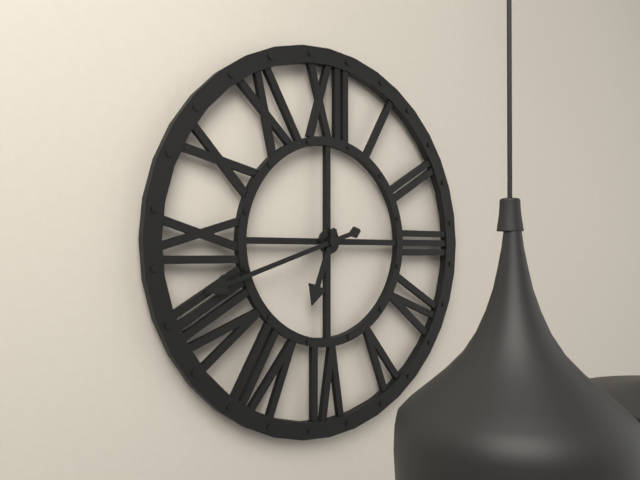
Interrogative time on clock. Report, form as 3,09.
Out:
6,42
